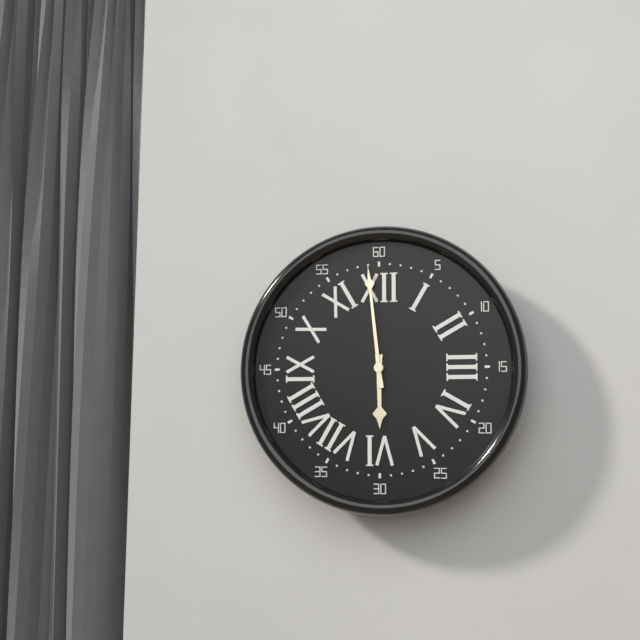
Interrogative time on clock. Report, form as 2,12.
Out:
5,59
